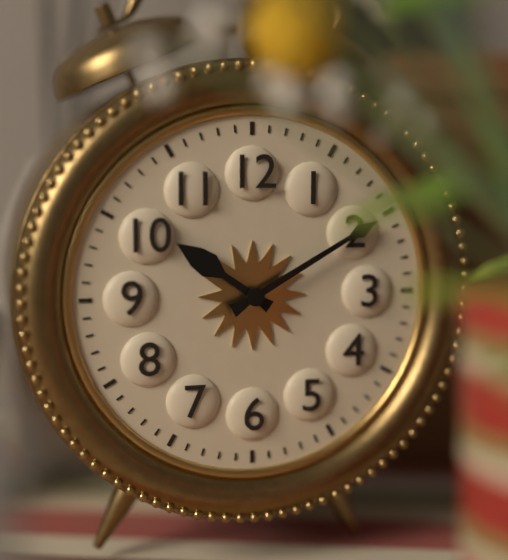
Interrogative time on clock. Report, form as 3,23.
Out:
10,10
